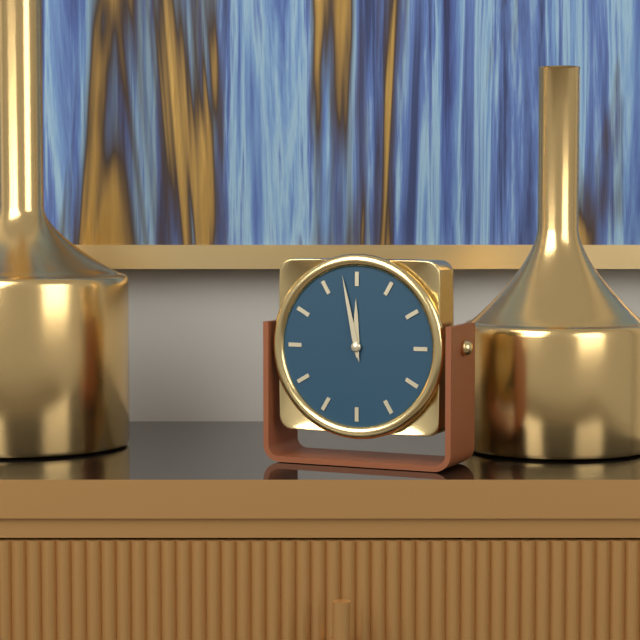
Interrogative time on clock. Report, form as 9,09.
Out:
11,58
